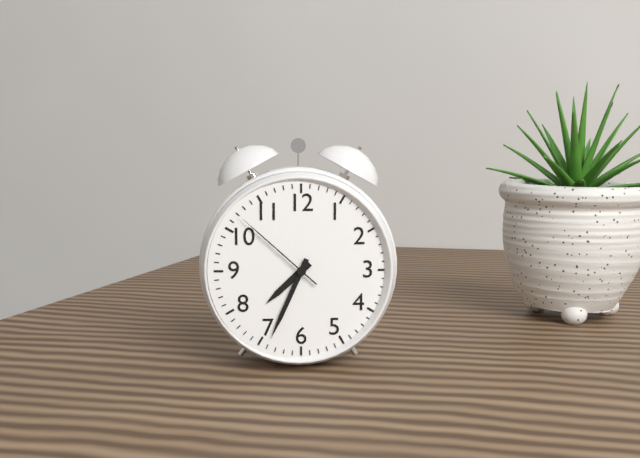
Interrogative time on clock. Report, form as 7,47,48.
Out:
7,34,52
